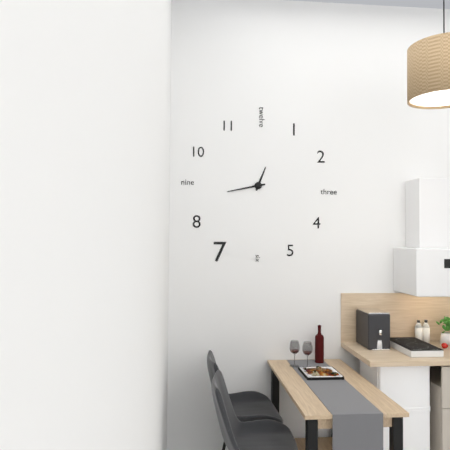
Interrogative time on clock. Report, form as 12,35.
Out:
12,43
